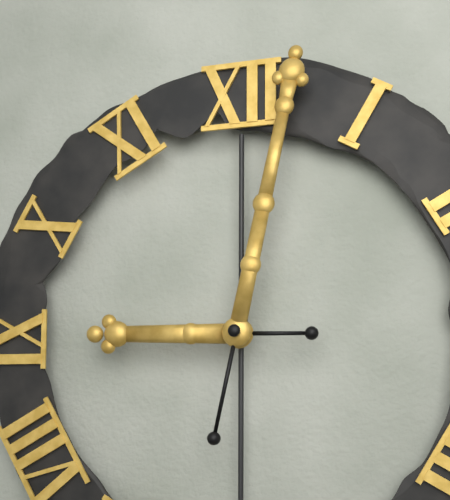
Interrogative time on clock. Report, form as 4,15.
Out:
9,02
